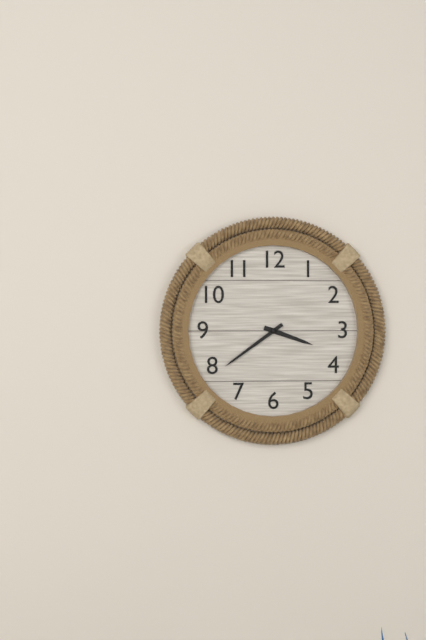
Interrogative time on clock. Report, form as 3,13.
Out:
3,39
